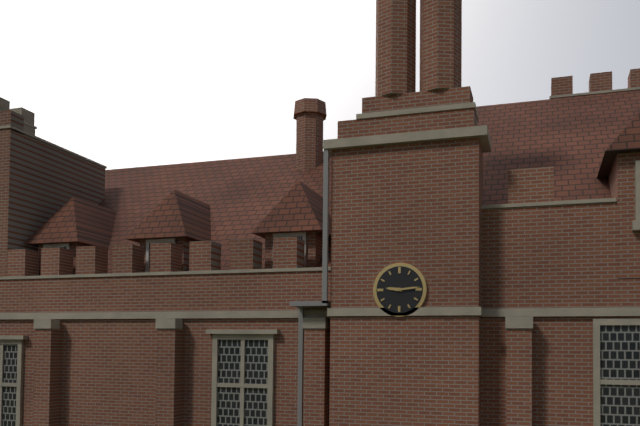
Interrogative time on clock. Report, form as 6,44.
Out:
9,14
